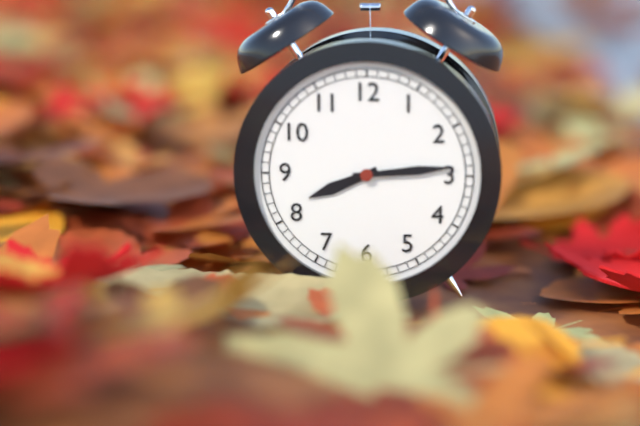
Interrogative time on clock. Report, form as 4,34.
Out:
8,14
